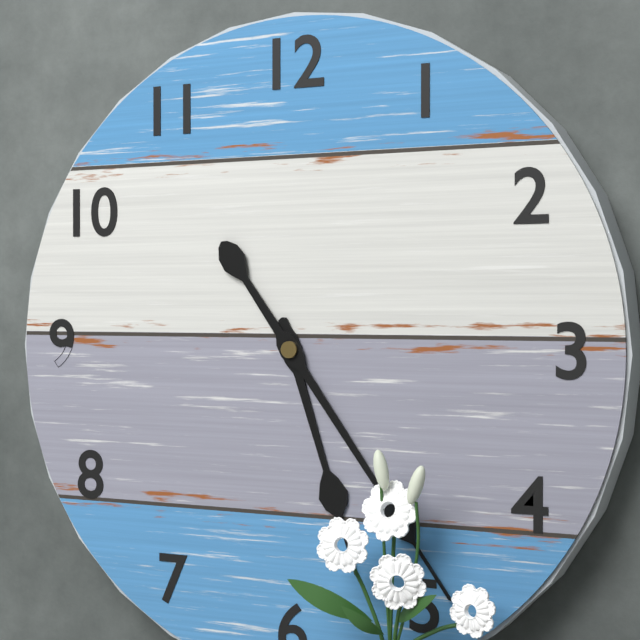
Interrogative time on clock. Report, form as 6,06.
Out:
5,24
